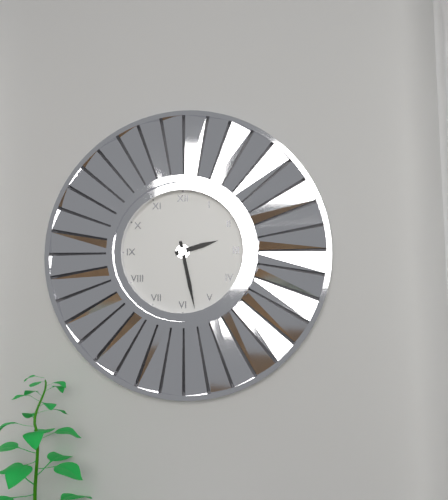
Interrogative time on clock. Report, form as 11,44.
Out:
2,28
